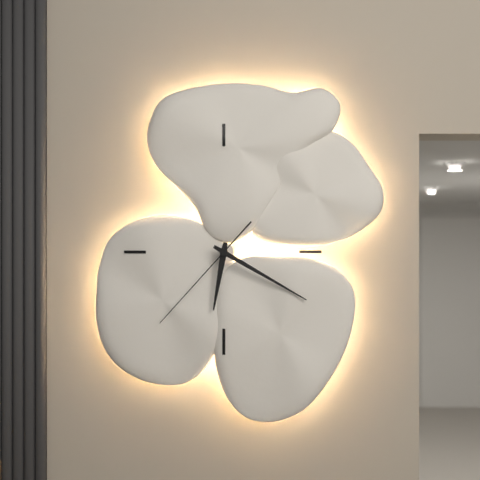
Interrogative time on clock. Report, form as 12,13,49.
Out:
6,20,37
